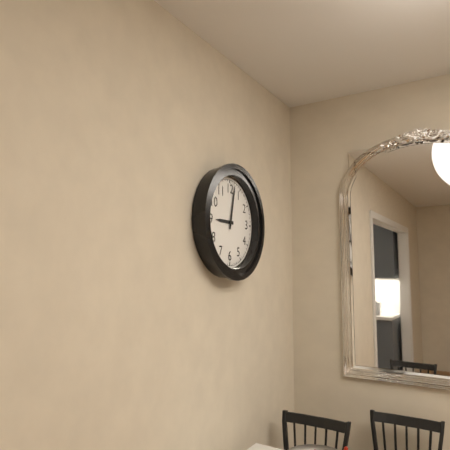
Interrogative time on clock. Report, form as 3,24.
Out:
9,02
